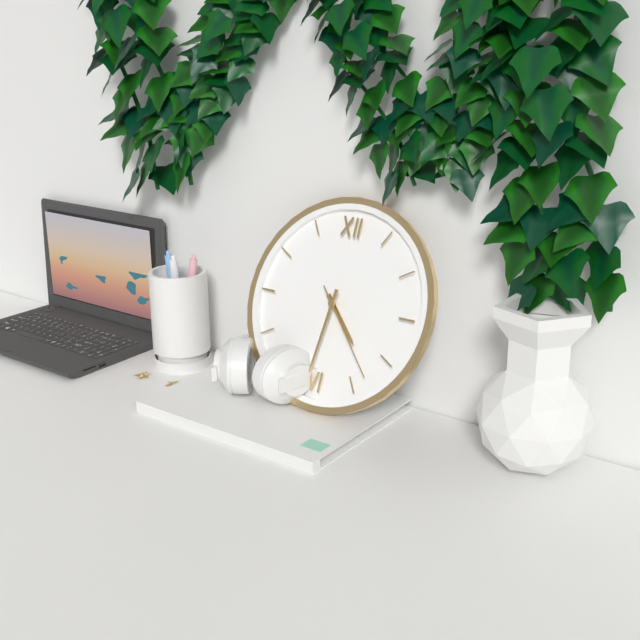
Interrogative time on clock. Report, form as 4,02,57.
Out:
4,31,23
